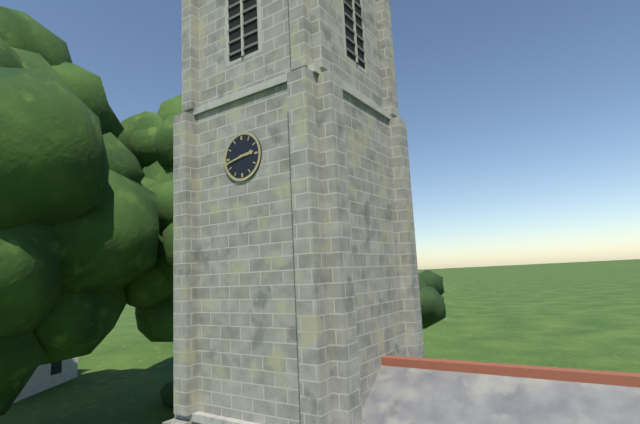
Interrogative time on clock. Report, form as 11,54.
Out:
2,43
